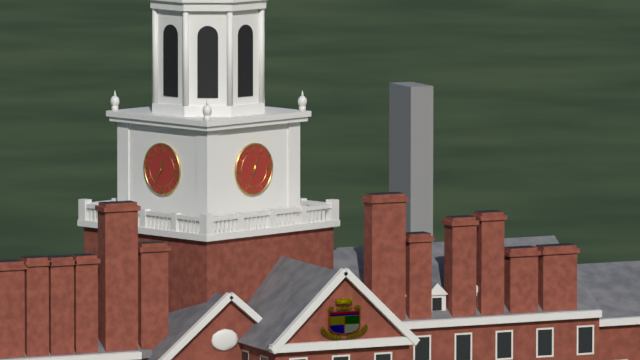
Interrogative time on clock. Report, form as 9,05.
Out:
12,35
